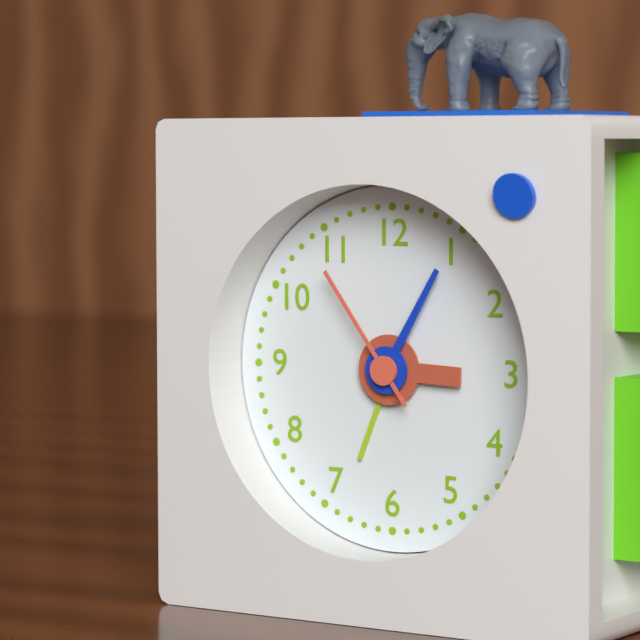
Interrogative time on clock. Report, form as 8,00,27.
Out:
3,05,54
